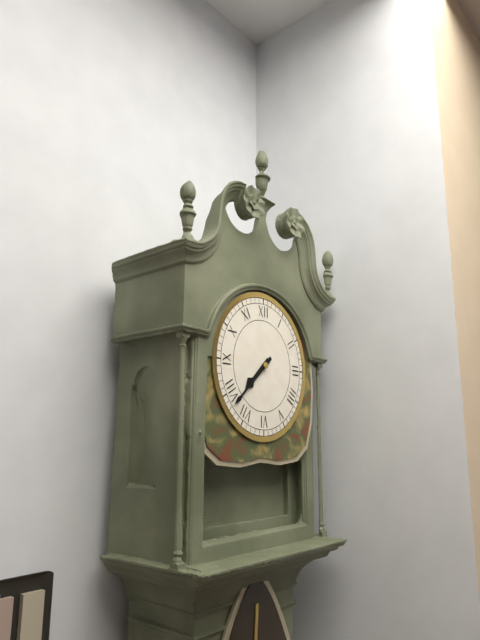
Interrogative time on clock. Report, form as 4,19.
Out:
7,38
